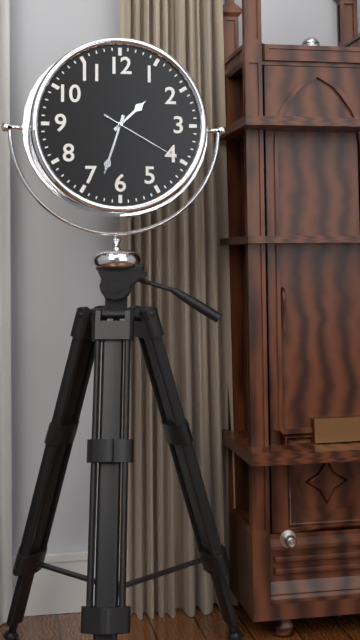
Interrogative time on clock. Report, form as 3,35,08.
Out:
1,33,20
